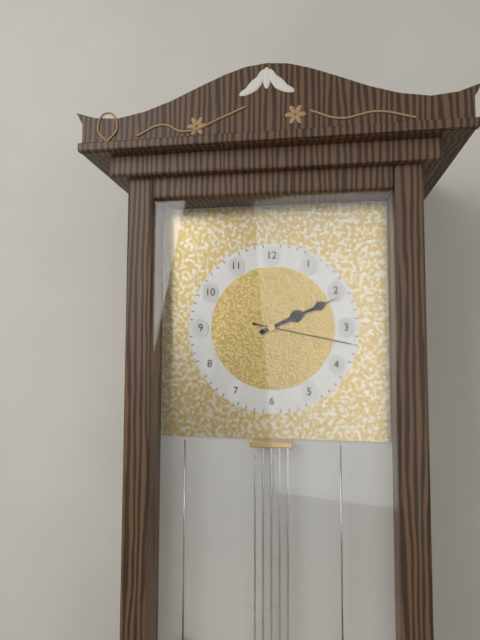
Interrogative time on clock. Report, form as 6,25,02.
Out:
2,11,17
